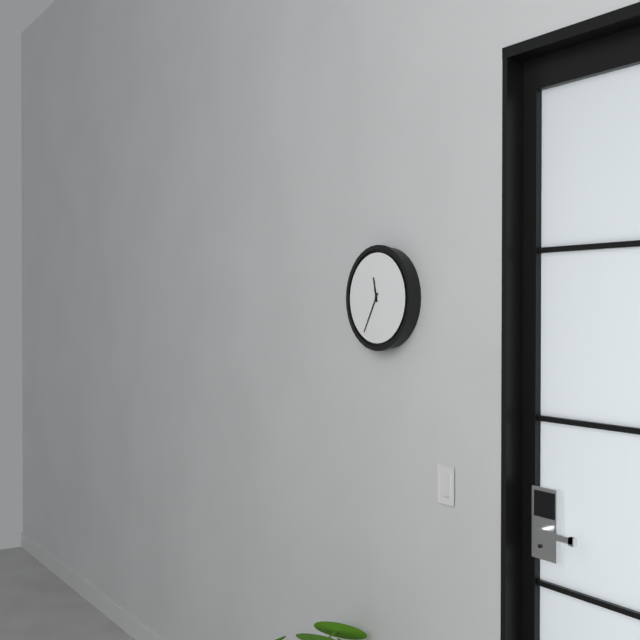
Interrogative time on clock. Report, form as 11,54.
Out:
11,35
